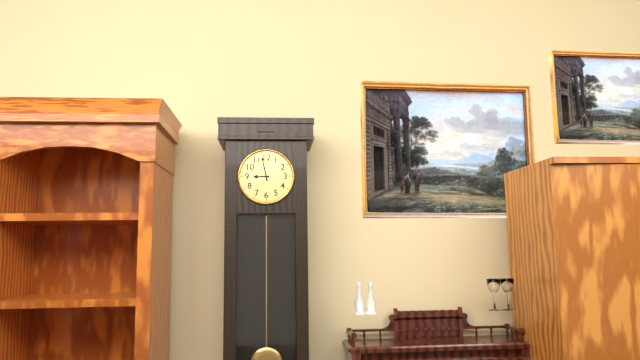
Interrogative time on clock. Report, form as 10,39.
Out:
8,58
